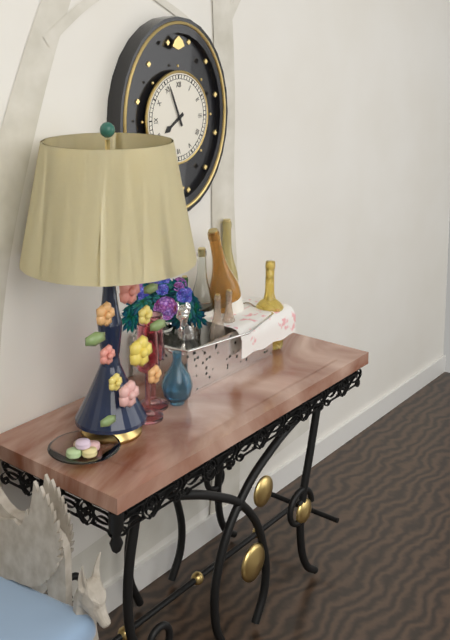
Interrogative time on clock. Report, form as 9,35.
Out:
7,56
